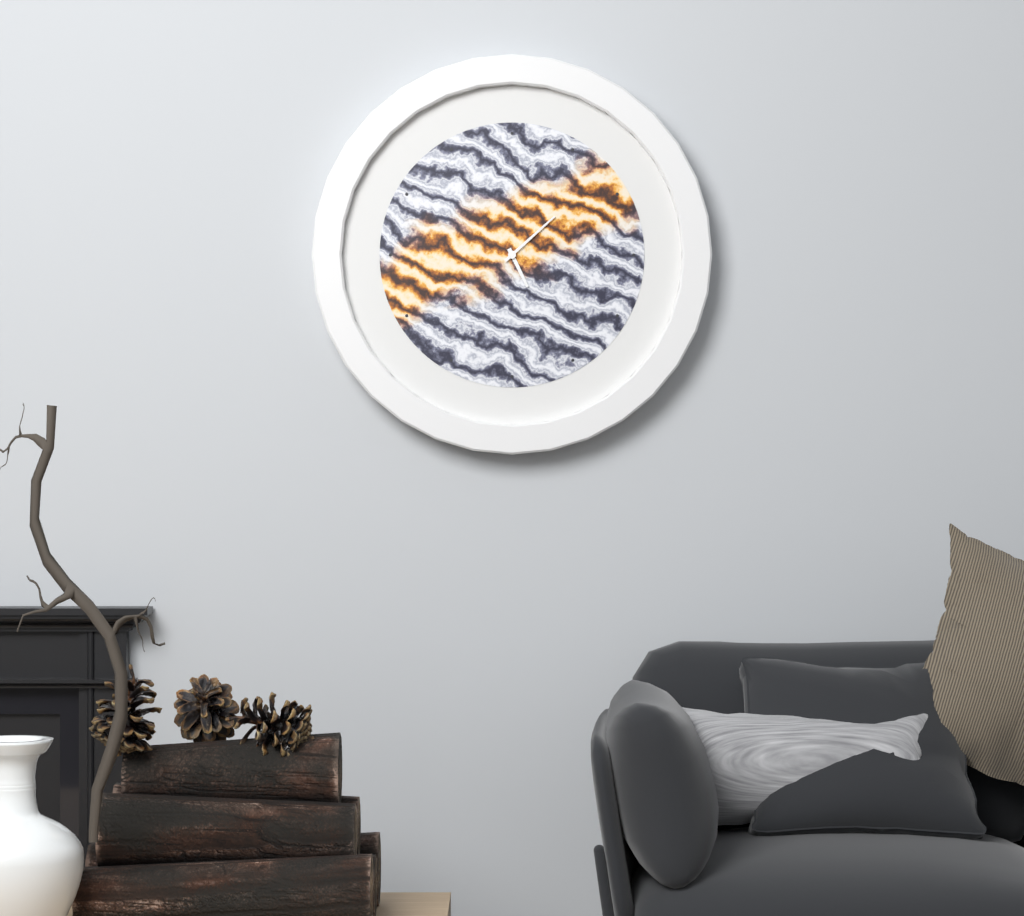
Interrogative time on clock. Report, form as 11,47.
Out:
5,08
